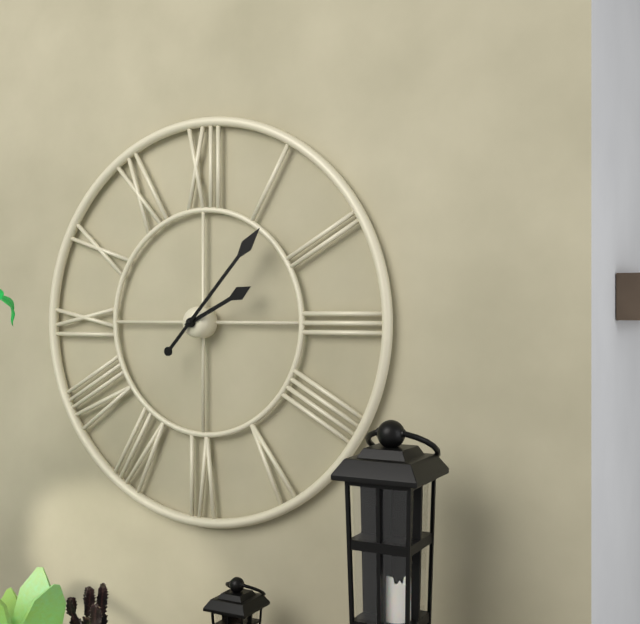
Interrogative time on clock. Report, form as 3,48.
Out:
2,07
